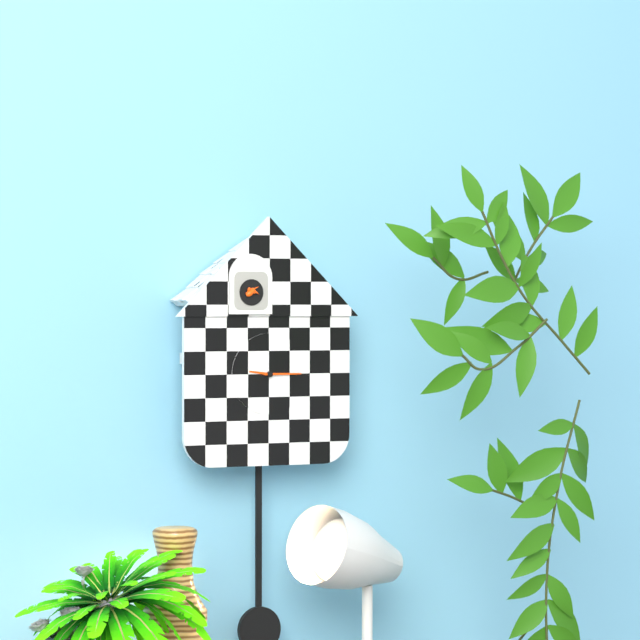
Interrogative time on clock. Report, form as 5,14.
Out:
9,15
